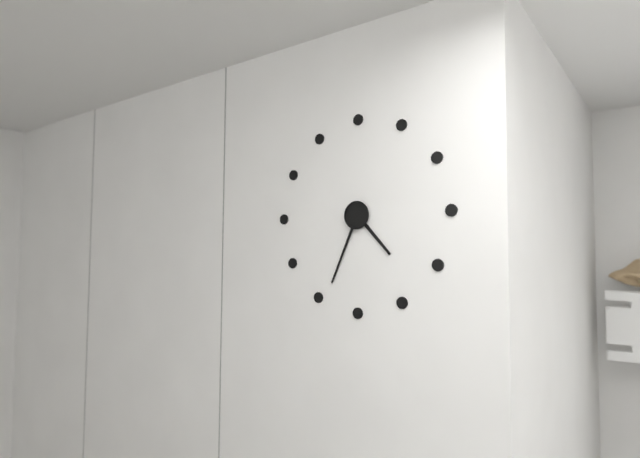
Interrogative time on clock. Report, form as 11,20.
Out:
4,34
